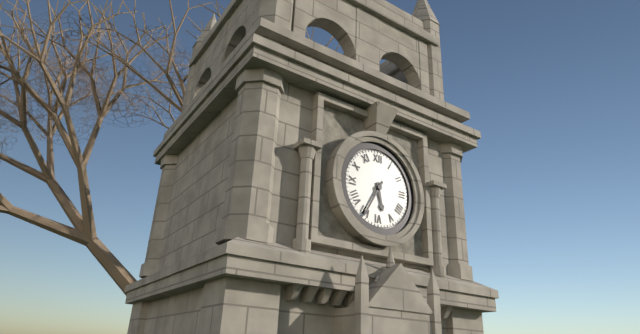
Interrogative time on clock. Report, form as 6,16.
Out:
5,35
